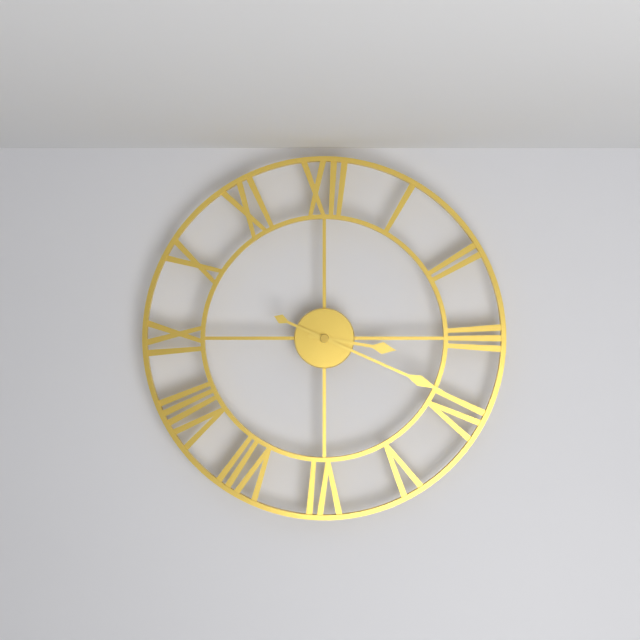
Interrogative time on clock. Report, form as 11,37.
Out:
3,19
